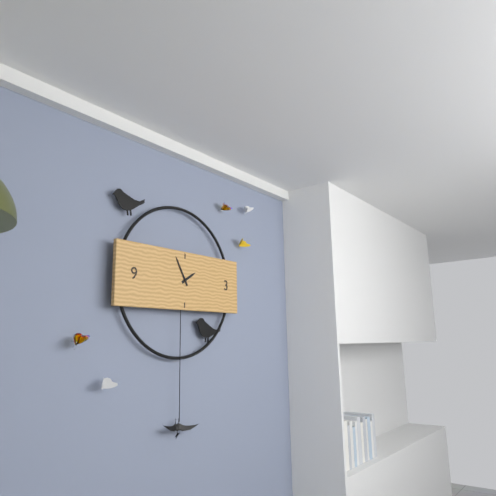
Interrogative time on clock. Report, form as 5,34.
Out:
1,55
